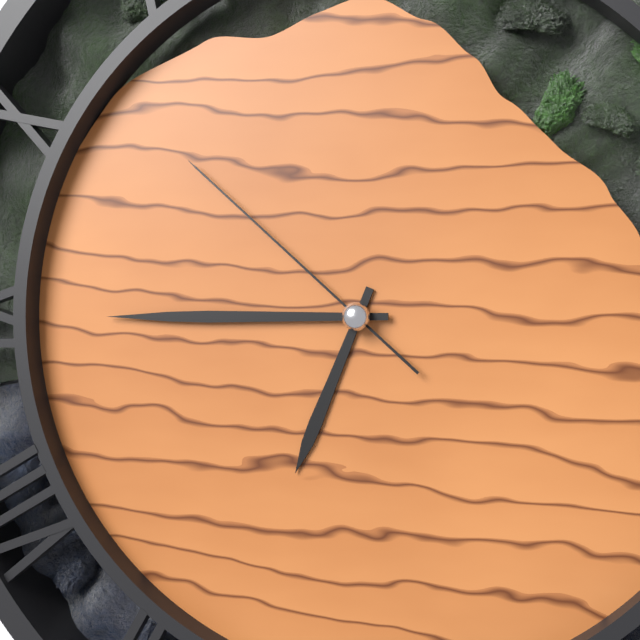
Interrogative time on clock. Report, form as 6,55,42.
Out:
6,45,52
